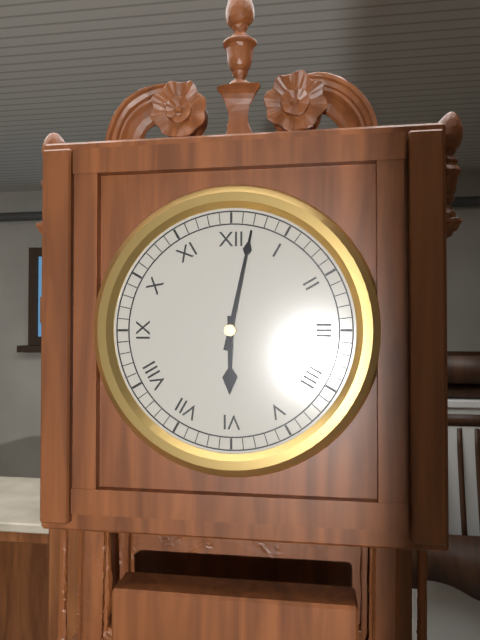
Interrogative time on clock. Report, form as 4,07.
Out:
6,02
